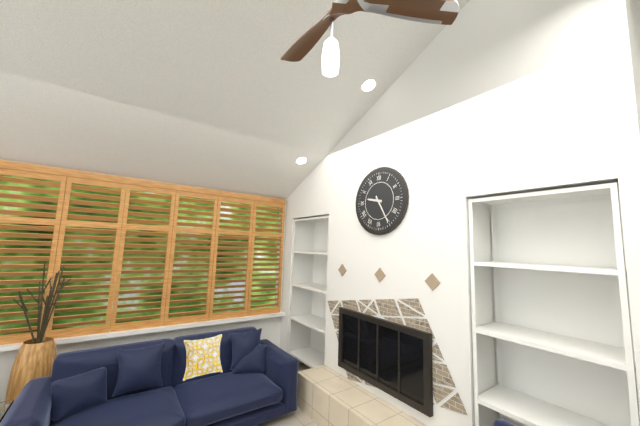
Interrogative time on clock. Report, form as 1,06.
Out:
9,25
